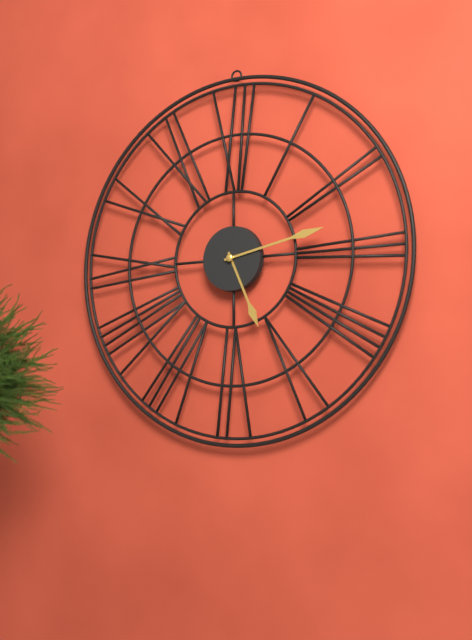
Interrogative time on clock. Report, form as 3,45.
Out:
5,13
